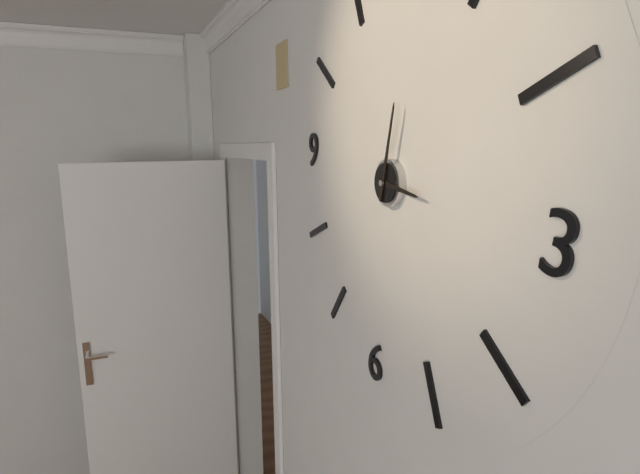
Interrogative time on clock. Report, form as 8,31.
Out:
3,01
